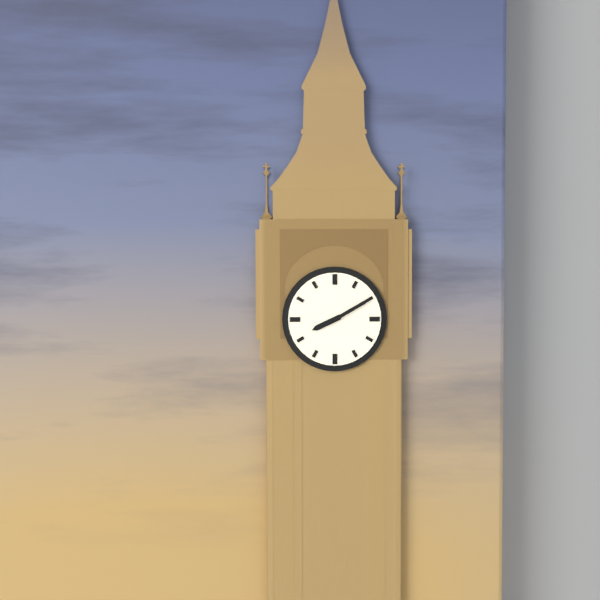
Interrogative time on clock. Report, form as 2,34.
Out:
8,10
